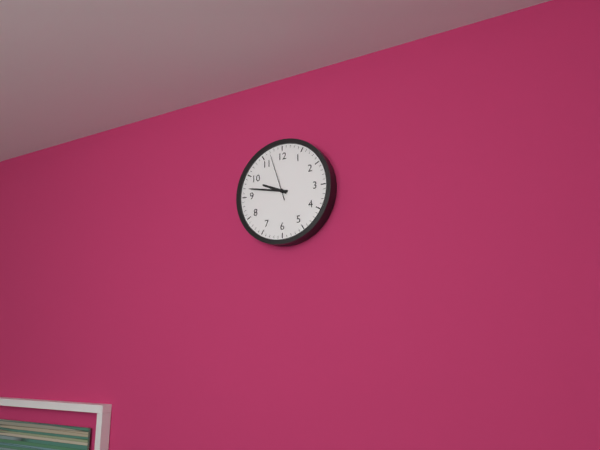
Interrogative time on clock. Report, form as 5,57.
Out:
9,47
